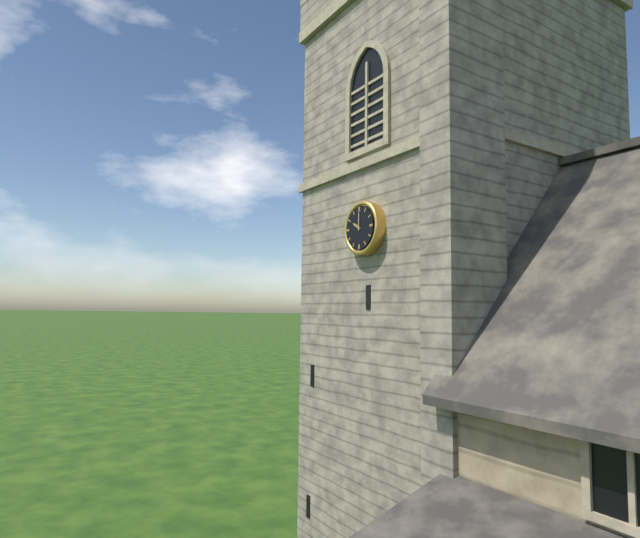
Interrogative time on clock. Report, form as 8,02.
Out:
10,00
